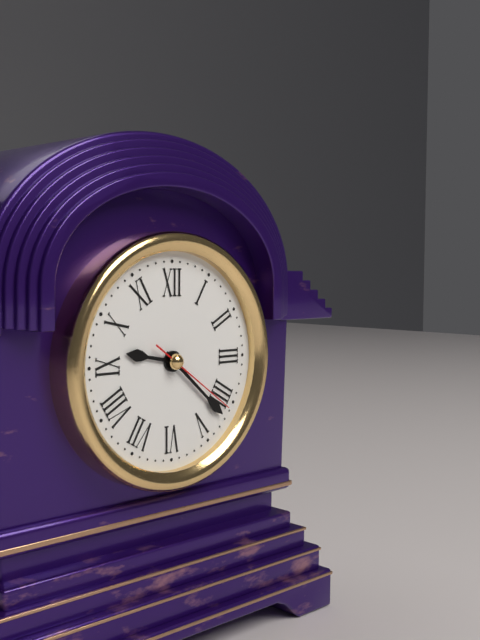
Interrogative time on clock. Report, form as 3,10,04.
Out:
9,22,21
